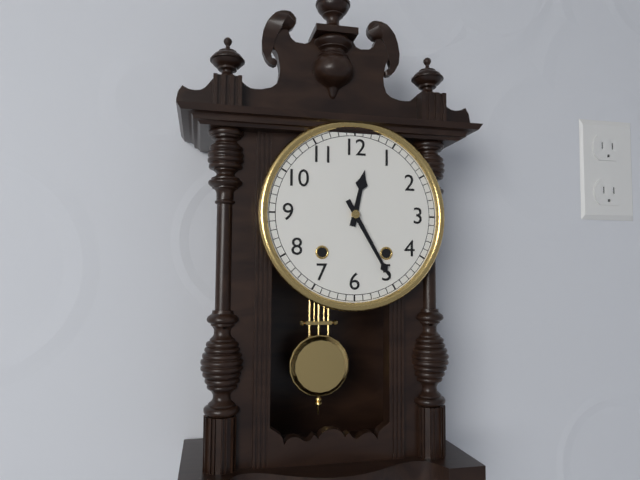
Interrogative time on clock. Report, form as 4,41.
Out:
12,25
